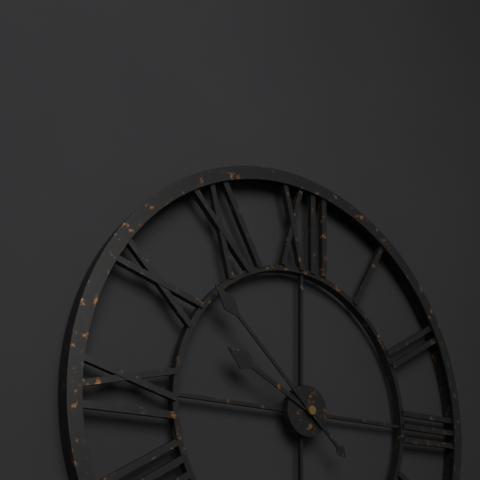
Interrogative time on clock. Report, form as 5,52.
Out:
9,52
